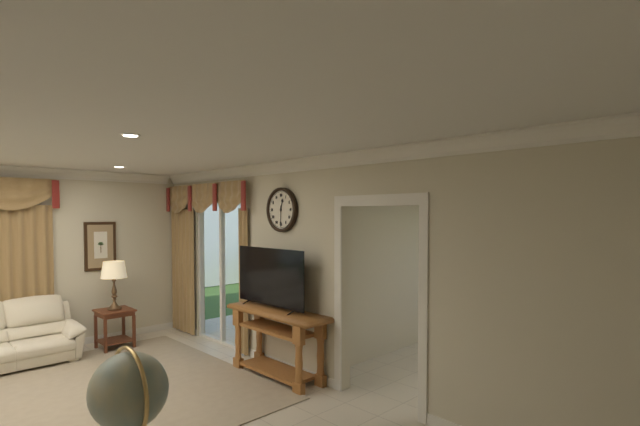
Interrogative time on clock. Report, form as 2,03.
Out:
12,30
